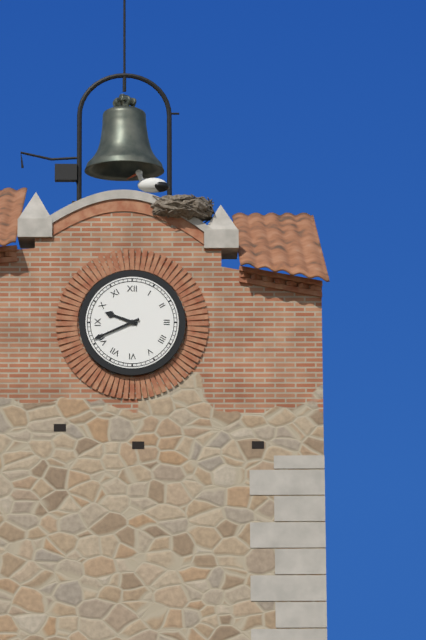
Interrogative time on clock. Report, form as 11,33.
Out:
9,41
